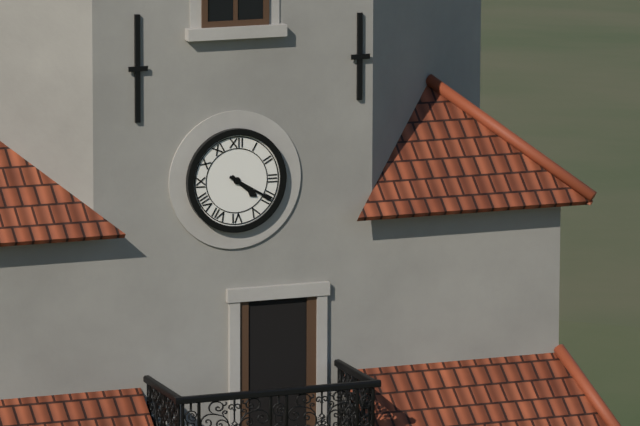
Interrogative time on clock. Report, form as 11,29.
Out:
4,20
